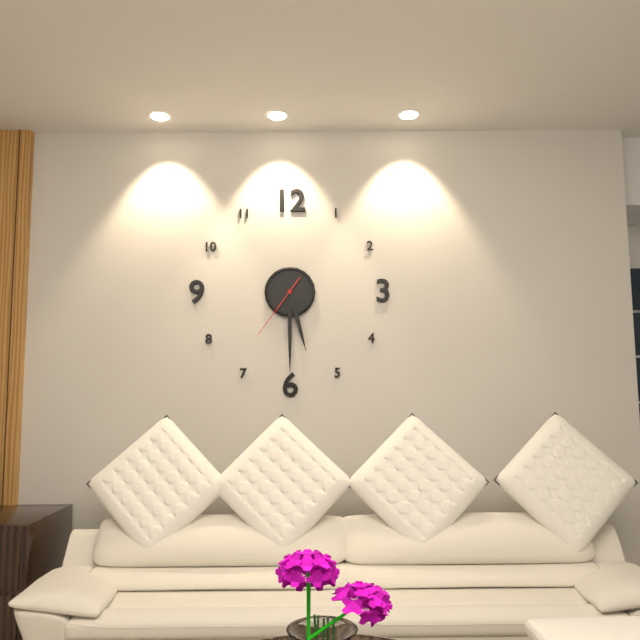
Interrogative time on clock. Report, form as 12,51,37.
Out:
5,30,36
